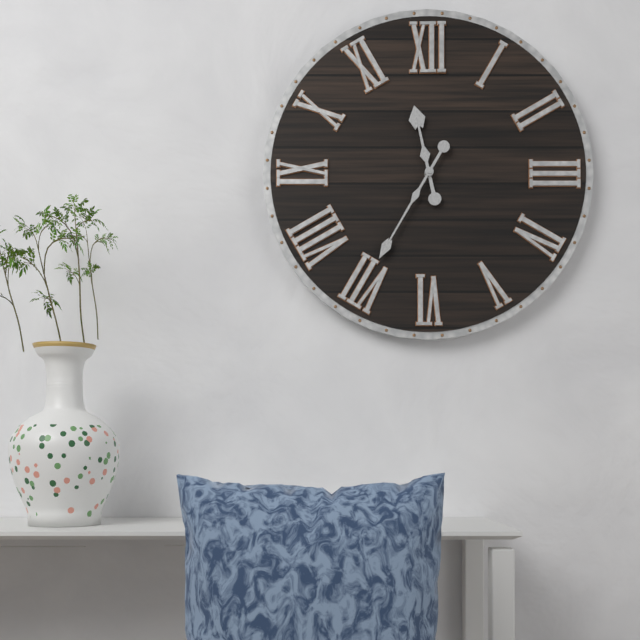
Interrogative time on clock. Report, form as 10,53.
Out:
11,35
